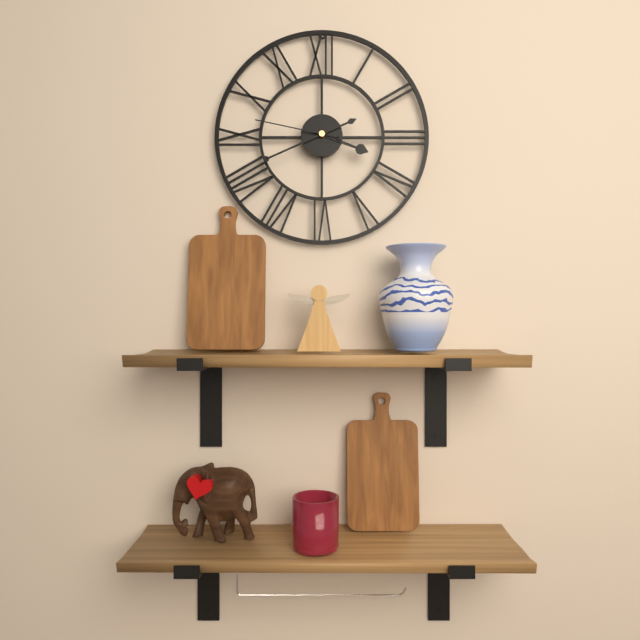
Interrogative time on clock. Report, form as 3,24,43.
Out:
3,41,47
